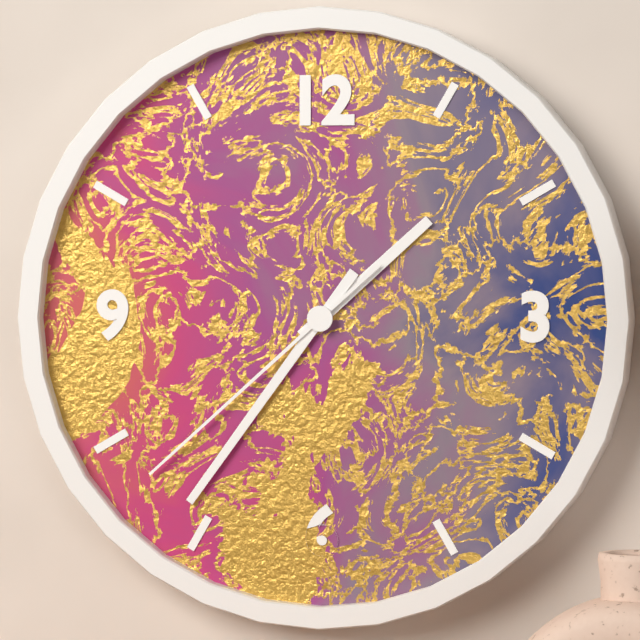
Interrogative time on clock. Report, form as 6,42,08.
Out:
1,36,38
